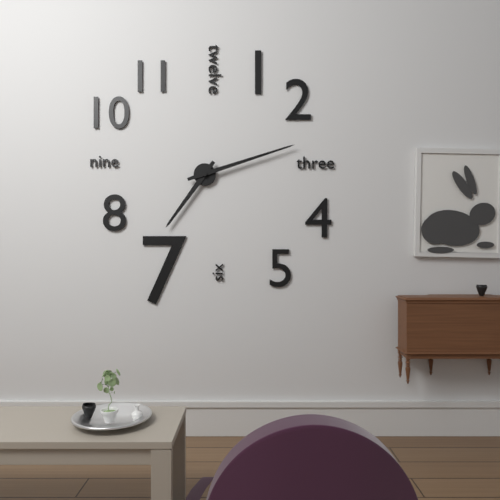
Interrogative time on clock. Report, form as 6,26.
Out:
7,12
